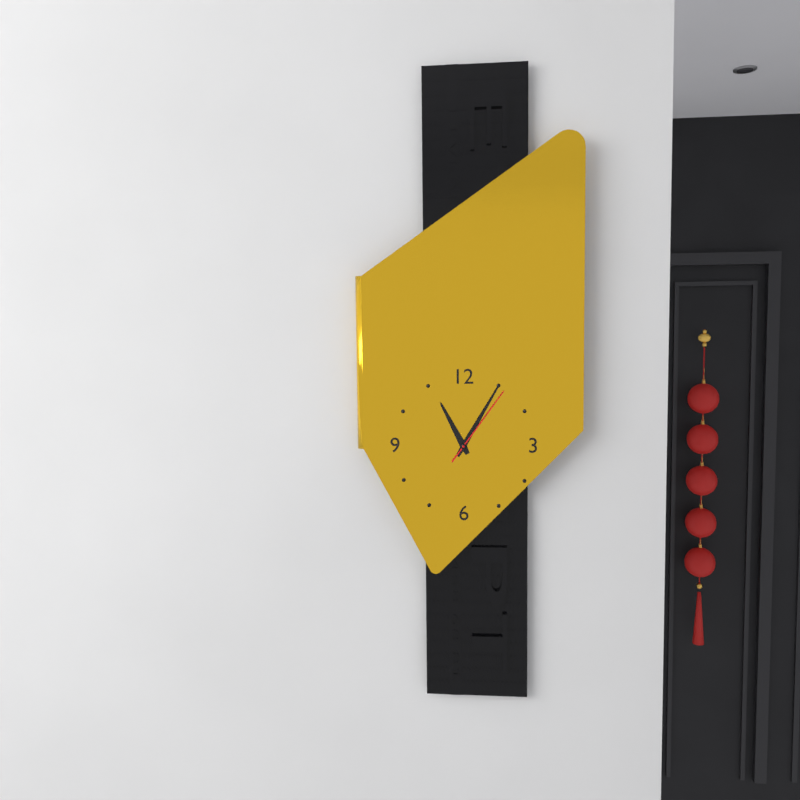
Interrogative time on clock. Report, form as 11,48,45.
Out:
11,05,06
